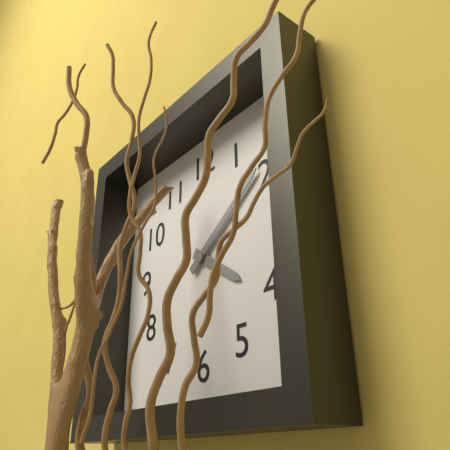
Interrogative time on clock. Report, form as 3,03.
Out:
4,09
